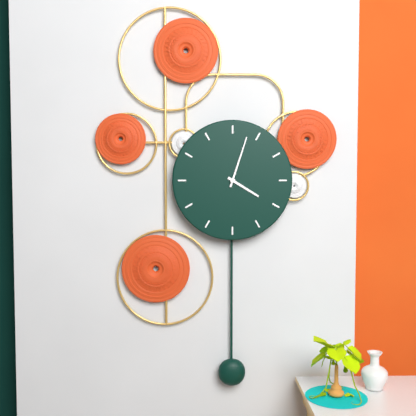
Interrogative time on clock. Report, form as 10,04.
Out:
4,03
